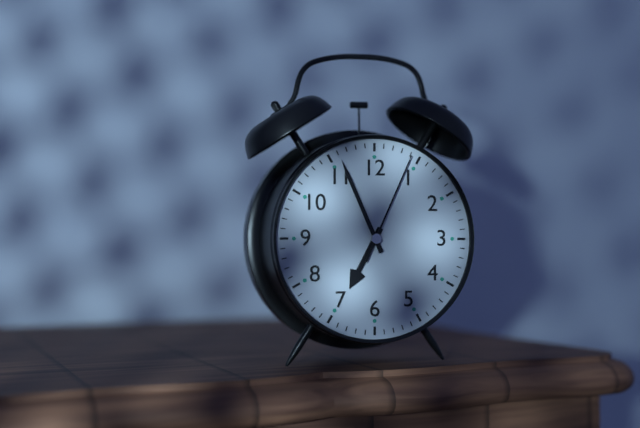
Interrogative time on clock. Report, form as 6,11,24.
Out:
6,56,04
